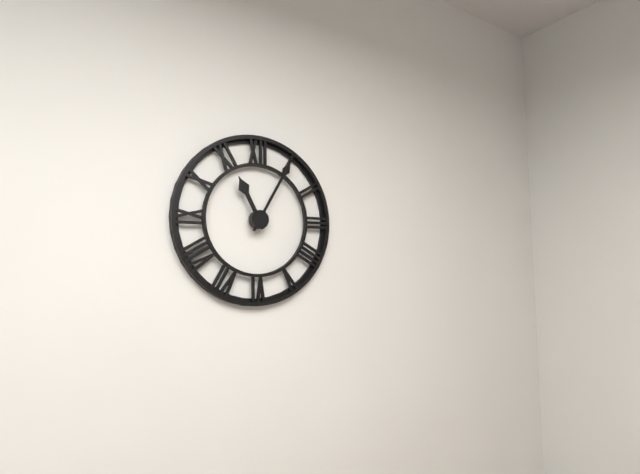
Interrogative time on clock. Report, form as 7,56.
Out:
11,05
